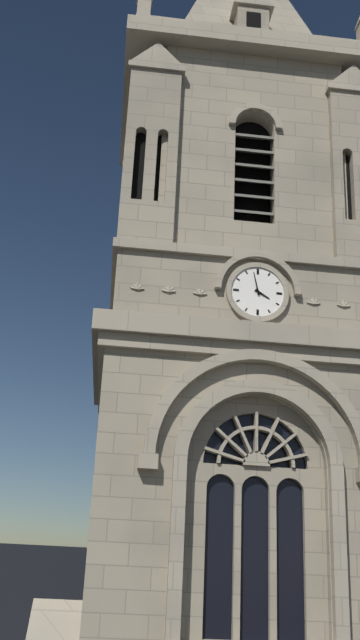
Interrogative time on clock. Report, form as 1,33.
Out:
3,58
